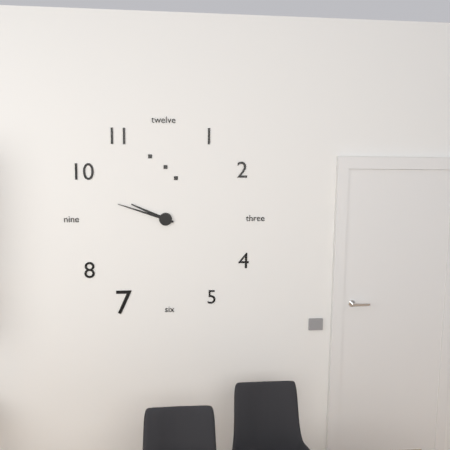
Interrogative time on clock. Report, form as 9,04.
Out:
9,48
